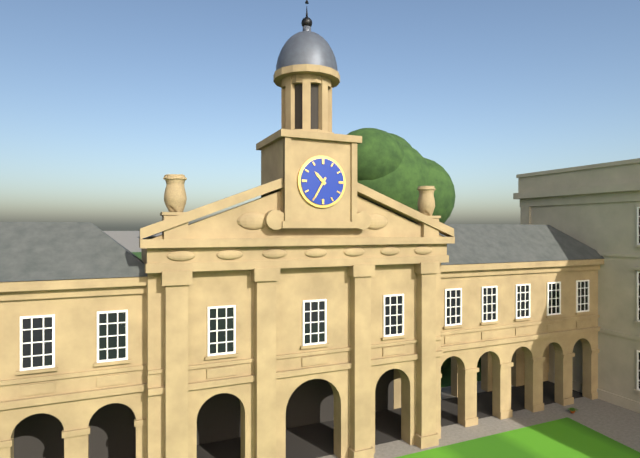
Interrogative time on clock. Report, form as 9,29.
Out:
10,35
